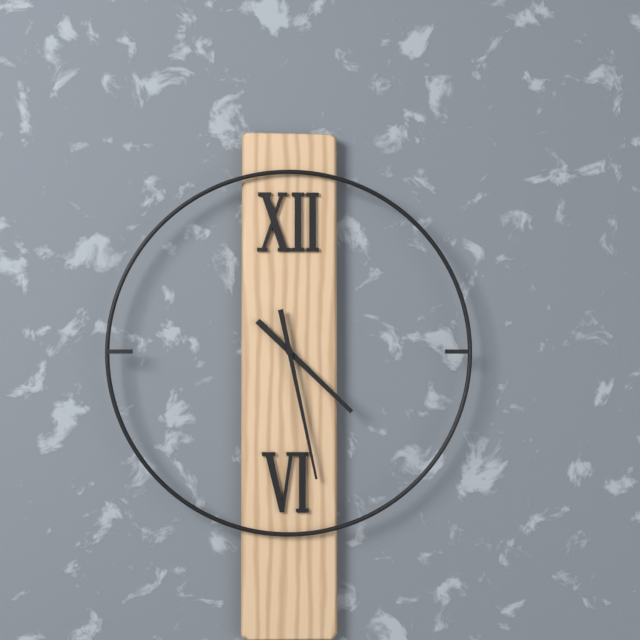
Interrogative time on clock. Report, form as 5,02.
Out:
4,28
